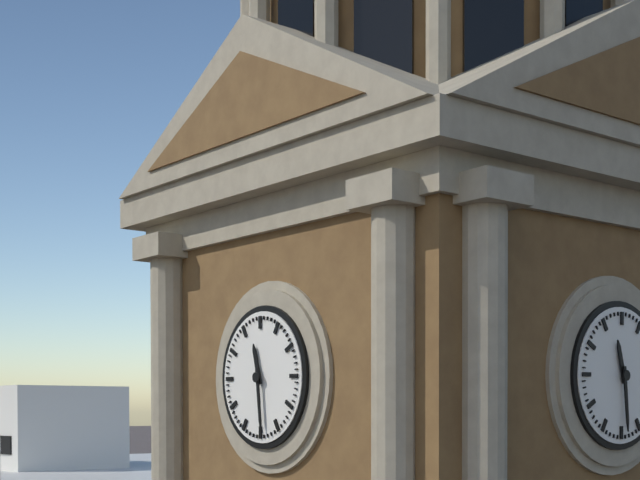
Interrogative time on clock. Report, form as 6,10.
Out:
11,29
